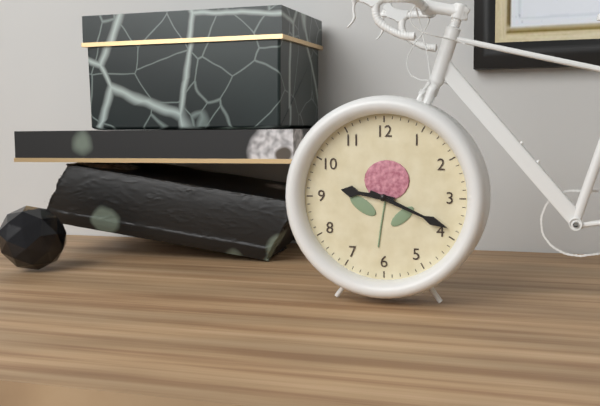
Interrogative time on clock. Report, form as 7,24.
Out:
9,19
